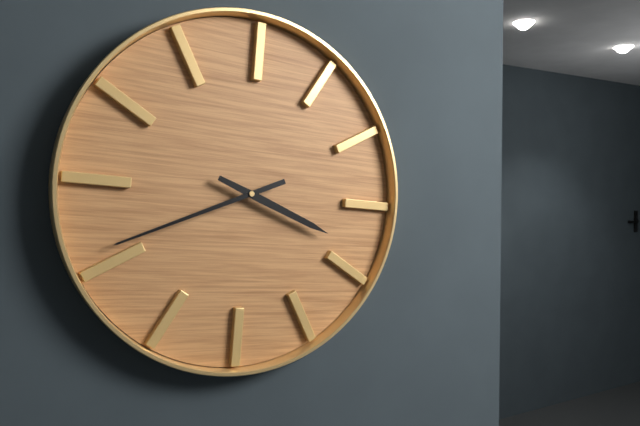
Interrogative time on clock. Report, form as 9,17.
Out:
3,41
